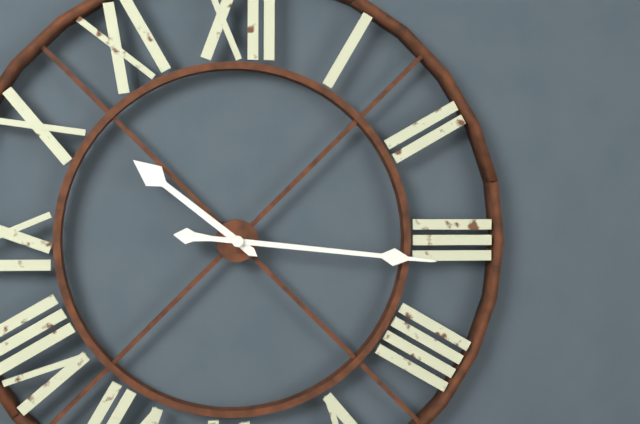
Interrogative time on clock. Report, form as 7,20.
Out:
10,16
